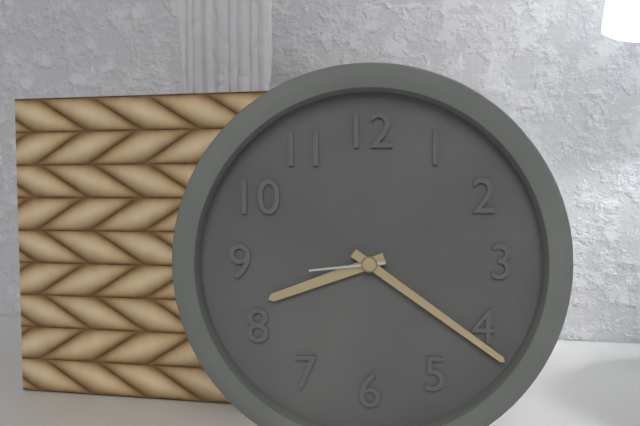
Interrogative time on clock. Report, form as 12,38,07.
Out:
8,21,44
